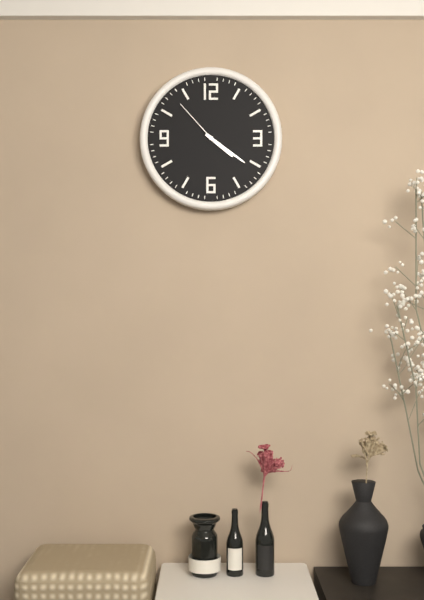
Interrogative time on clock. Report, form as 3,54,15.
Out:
4,21,53
